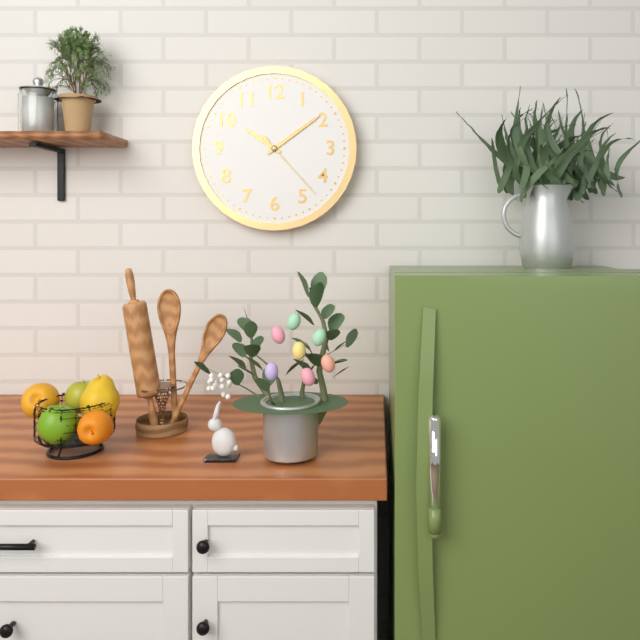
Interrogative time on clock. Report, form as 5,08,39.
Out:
10,09,23
